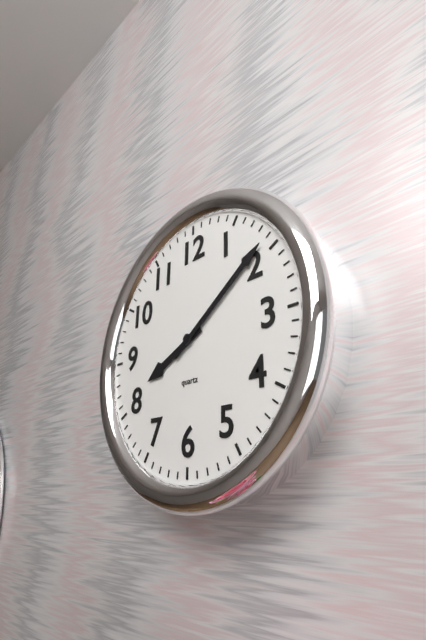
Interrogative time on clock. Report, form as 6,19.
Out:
8,09
